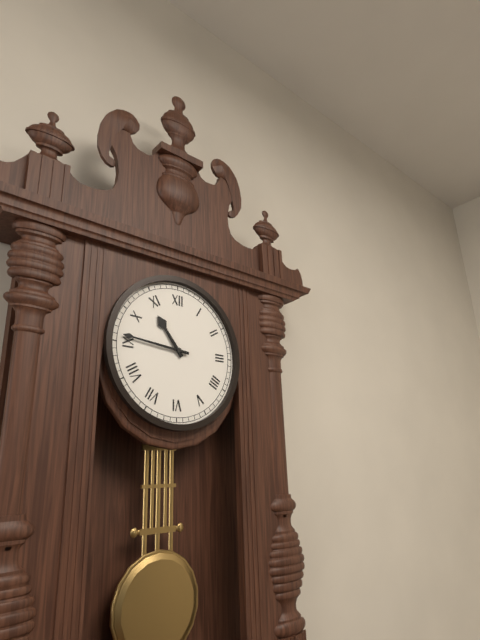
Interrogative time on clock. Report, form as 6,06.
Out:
10,46
